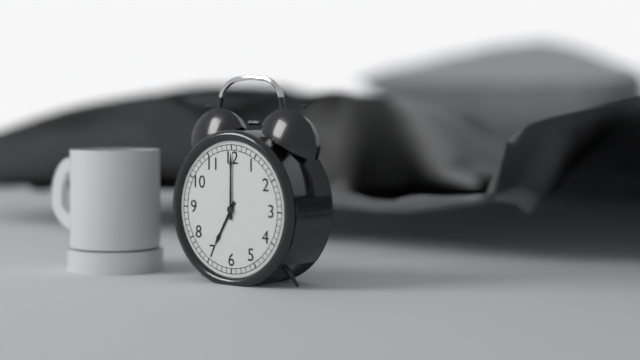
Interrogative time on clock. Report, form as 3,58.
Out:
7,00
